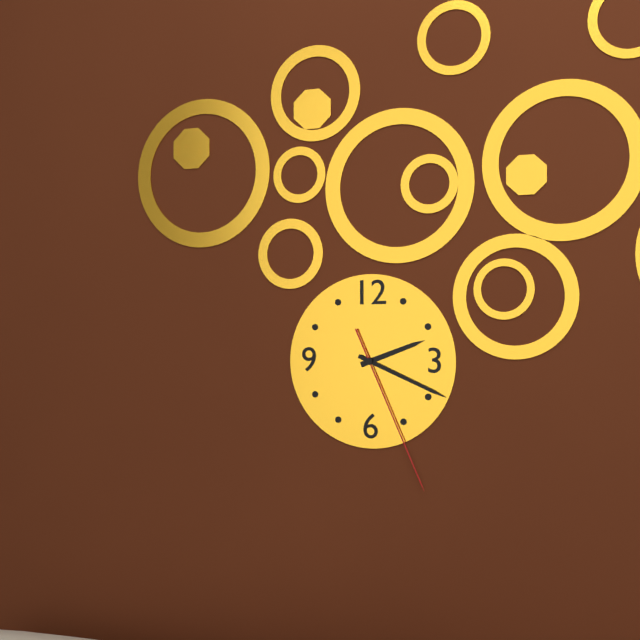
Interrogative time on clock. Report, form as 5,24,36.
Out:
2,19,26
